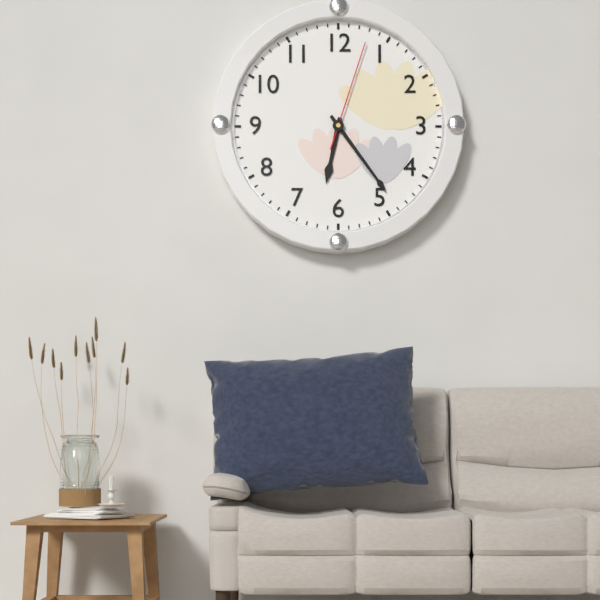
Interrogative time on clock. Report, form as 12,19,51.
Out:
6,24,03
